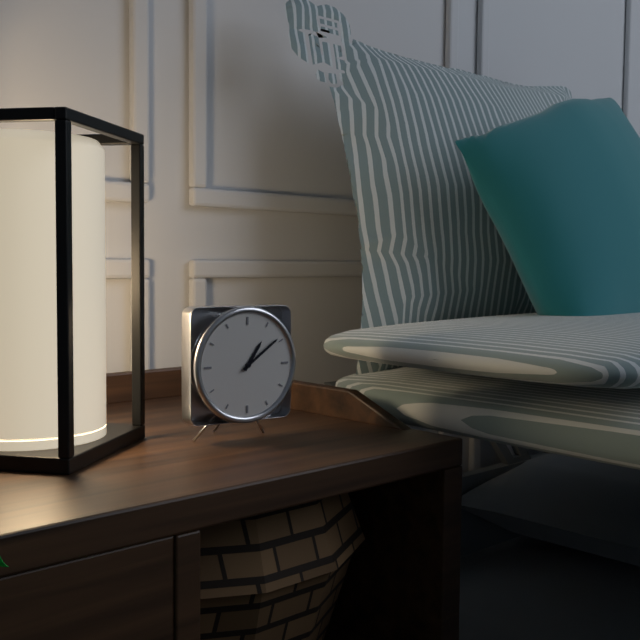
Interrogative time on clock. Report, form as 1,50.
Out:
1,09
